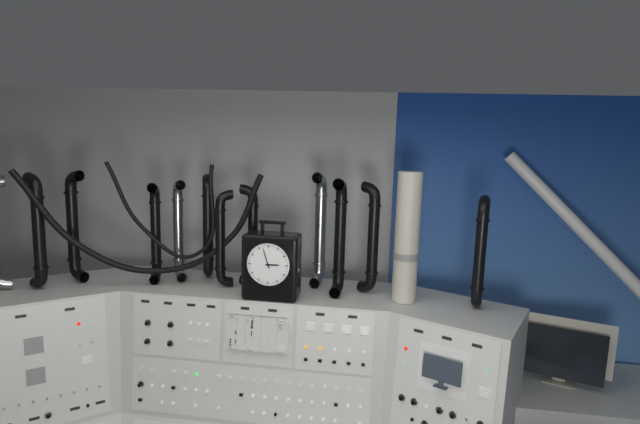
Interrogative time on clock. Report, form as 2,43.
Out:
2,57
